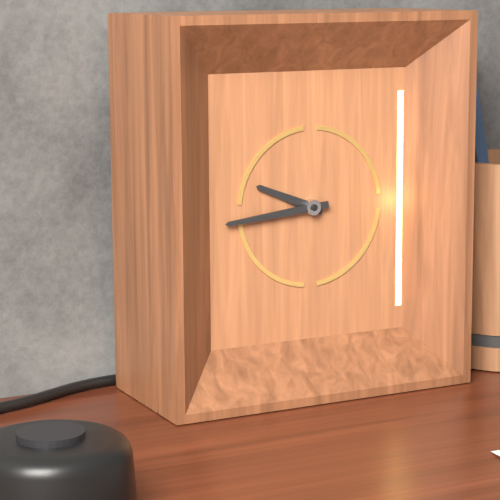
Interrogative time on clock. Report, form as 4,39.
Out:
9,44
